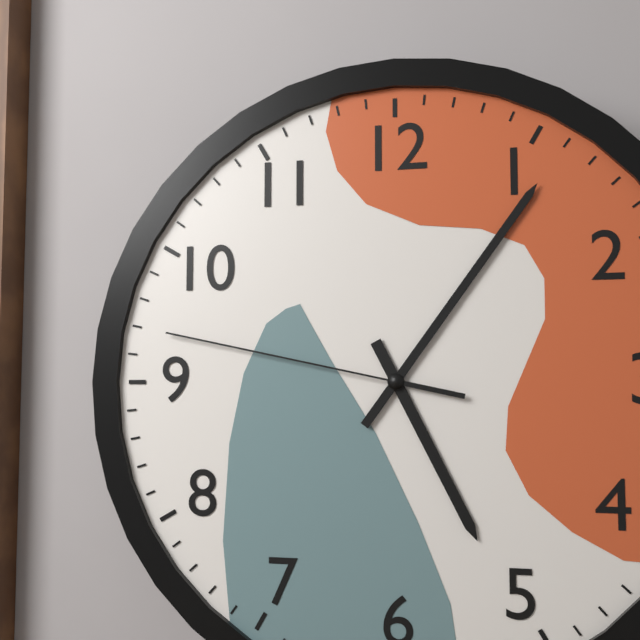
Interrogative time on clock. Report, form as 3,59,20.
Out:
5,06,47
